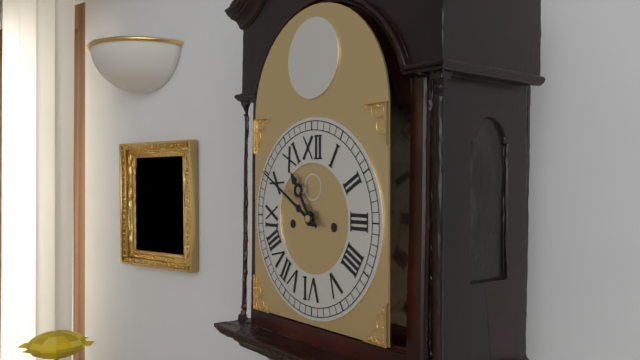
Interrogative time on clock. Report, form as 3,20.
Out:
10,50
